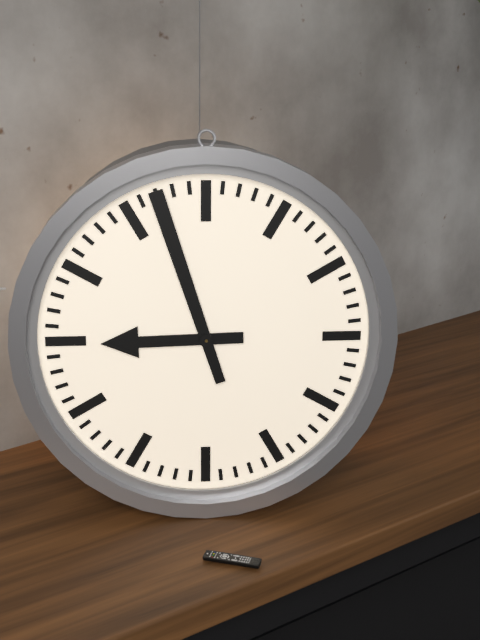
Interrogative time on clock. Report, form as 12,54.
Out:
8,57
